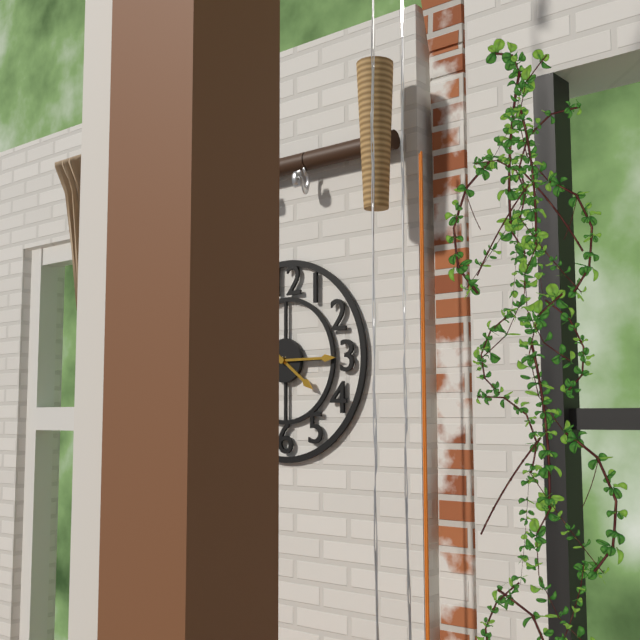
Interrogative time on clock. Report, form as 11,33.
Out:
4,15
